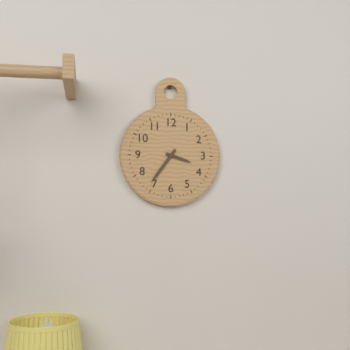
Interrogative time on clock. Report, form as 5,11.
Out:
3,36
